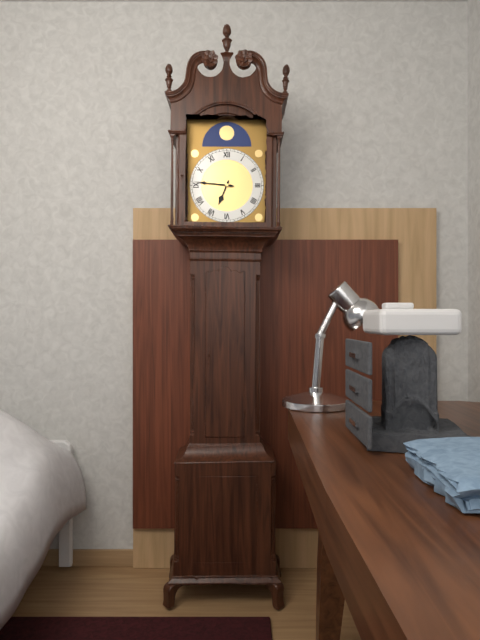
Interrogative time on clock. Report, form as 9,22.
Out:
6,46
